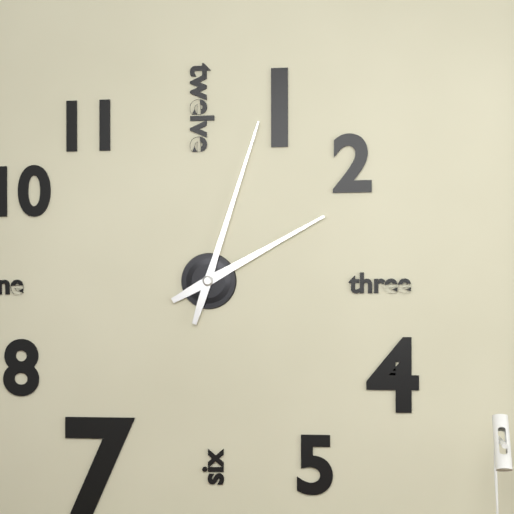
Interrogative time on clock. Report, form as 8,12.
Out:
2,03
